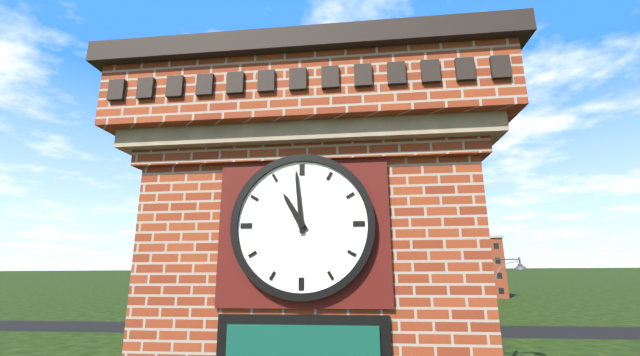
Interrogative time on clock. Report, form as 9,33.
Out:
10,59
